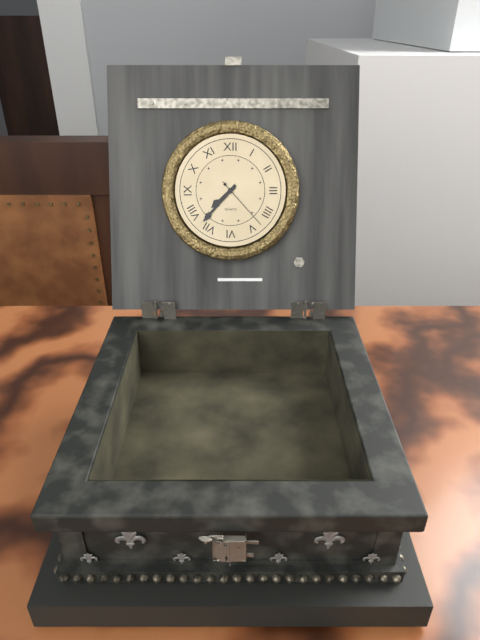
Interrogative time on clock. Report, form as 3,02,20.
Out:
7,37,23
